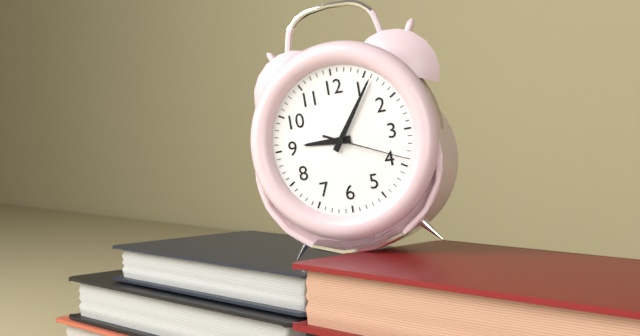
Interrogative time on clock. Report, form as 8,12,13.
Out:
9,06,19
